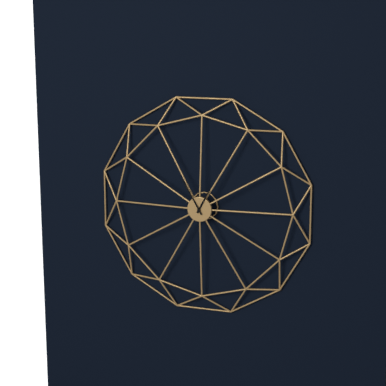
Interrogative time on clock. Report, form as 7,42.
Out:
12,55
